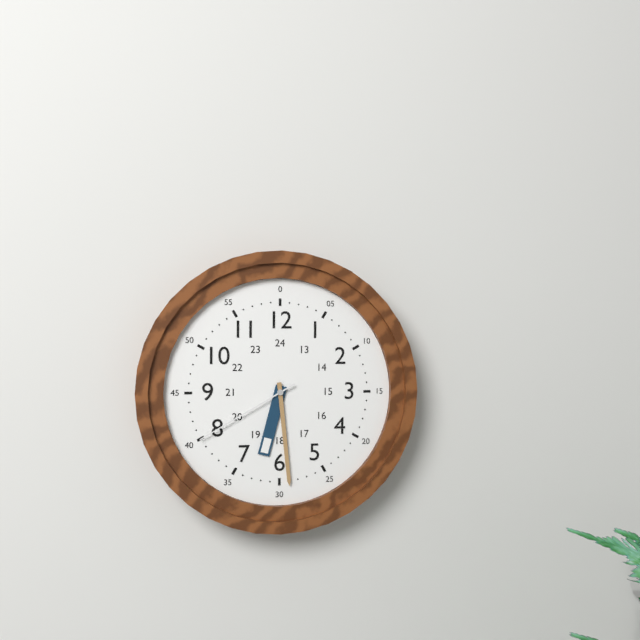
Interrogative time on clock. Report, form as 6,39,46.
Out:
6,29,40
